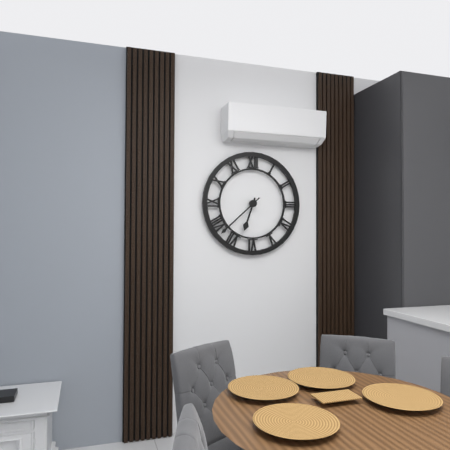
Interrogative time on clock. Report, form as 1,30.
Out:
6,38
